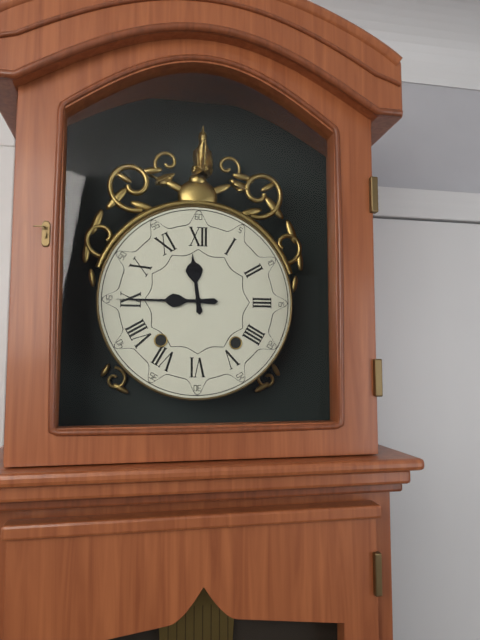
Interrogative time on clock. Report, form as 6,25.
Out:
11,45
